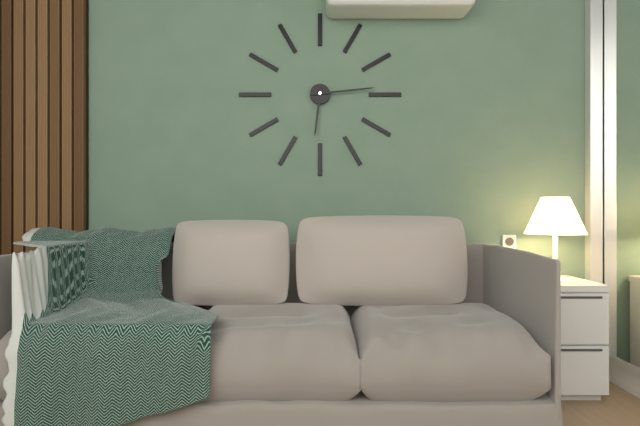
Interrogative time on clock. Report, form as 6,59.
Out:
6,14
